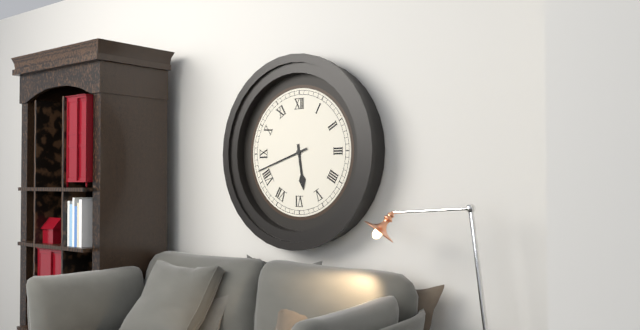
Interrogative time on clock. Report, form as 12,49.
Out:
5,42
